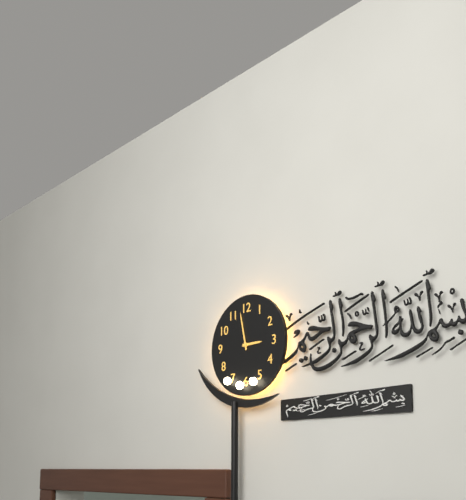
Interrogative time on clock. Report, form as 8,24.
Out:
2,58
